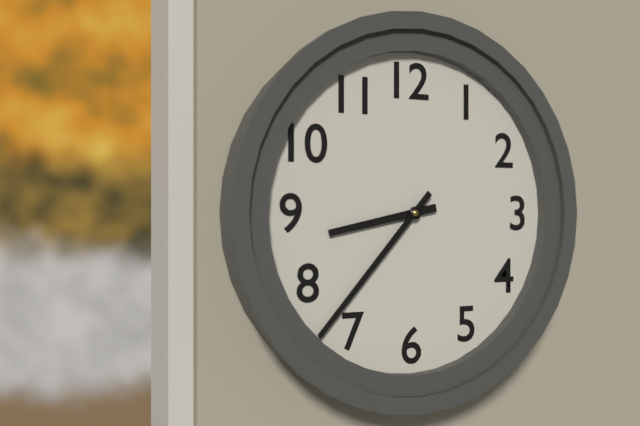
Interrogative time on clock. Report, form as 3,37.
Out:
8,37
